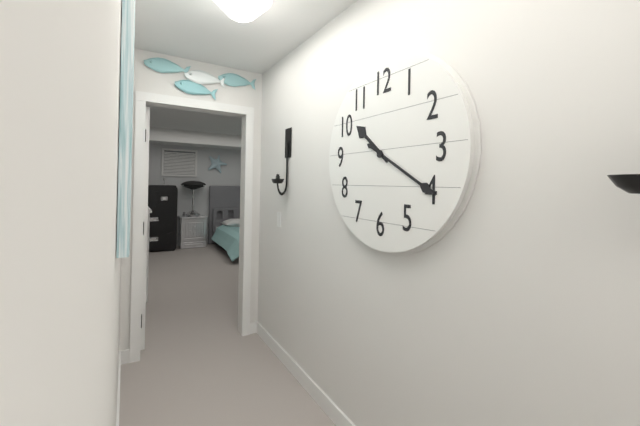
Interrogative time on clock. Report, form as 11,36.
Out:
10,20
